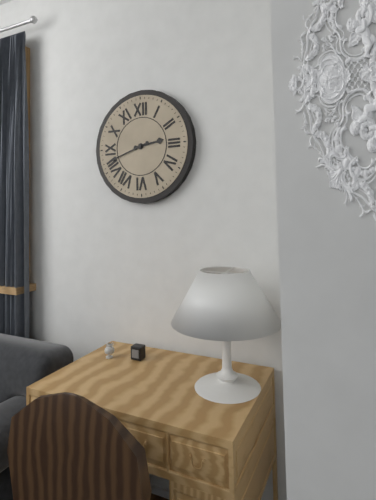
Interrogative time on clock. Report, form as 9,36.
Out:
2,42
